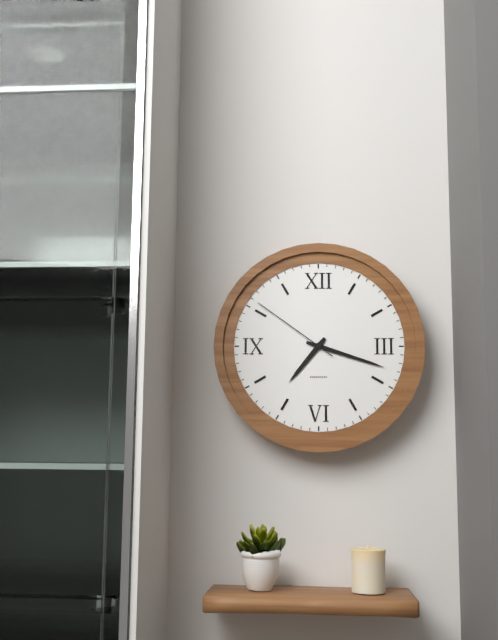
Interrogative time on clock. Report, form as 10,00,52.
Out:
7,18,51
